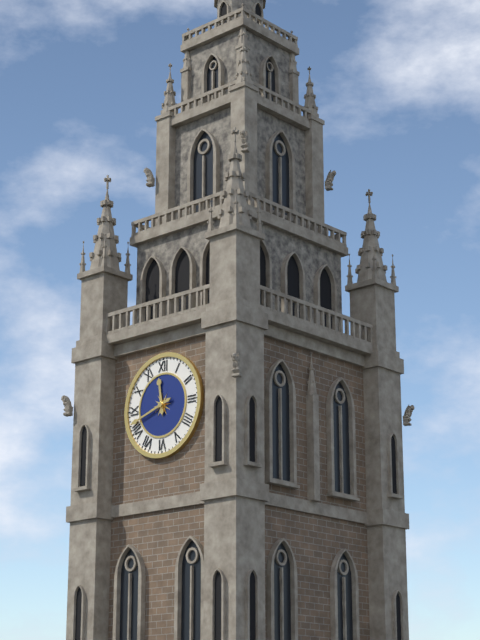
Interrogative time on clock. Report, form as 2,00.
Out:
11,42
